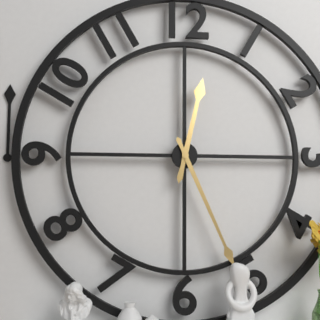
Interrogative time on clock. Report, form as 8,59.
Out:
12,26
